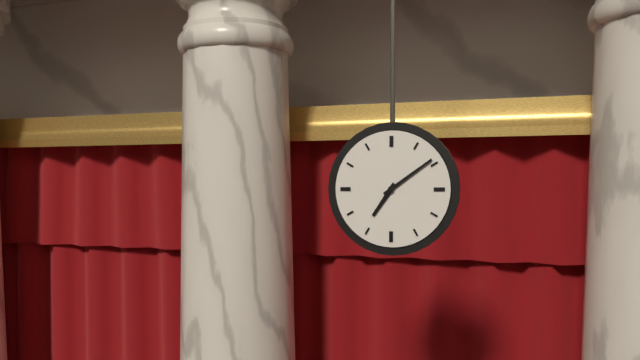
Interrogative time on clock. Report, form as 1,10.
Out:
7,09
